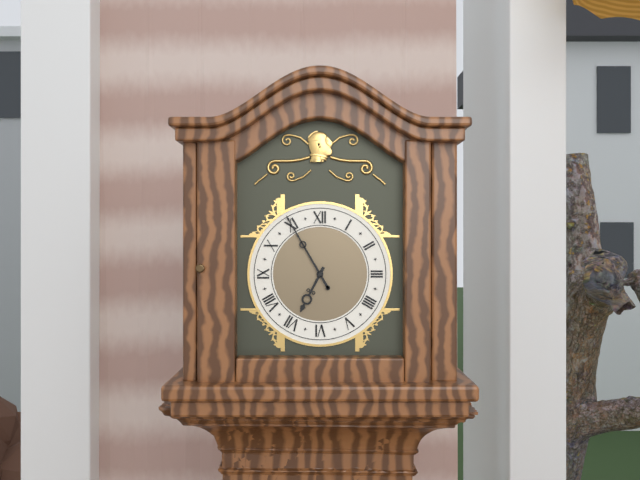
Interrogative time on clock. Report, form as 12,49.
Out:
6,55
